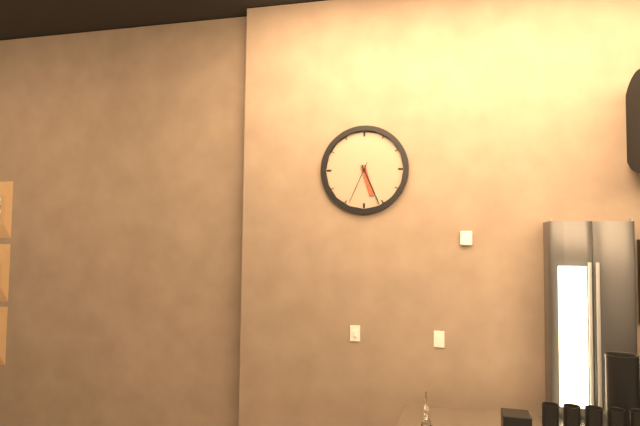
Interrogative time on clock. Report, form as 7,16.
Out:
5,26
